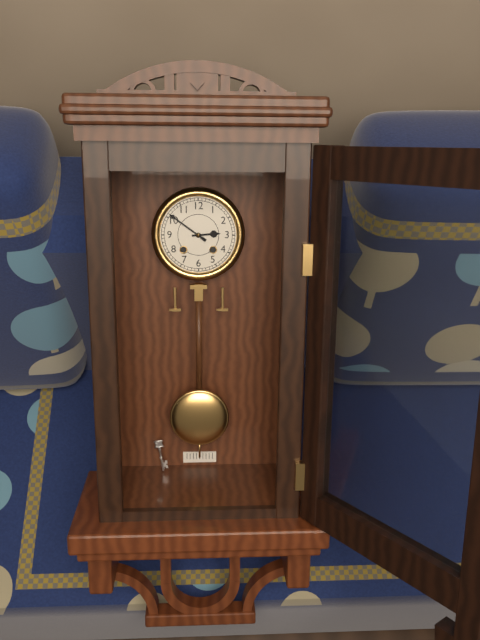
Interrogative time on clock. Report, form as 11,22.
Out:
2,51
